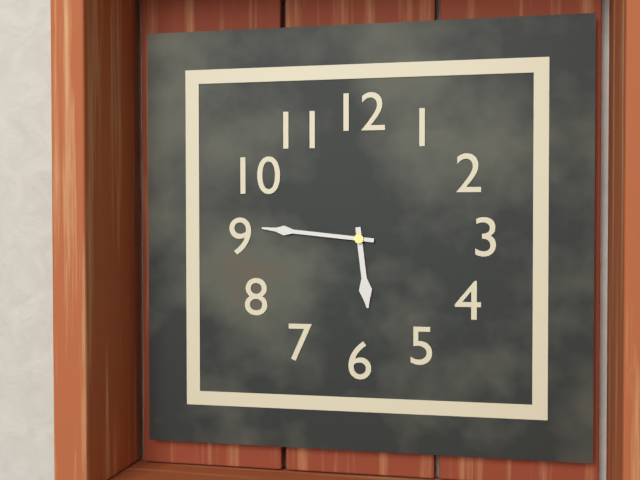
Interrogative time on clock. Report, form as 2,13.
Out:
5,46
